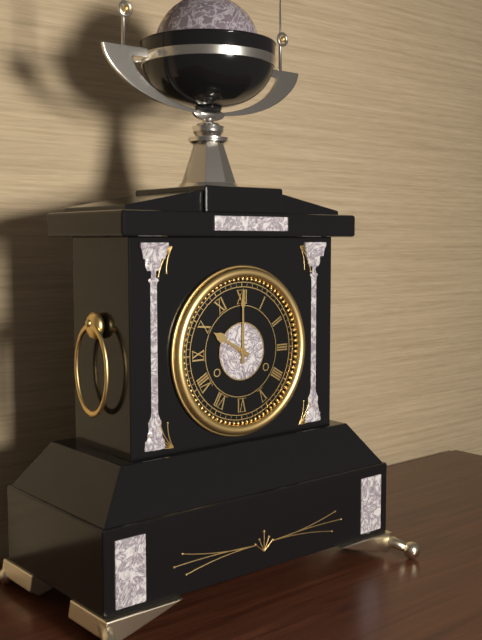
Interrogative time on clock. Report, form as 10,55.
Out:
10,00
